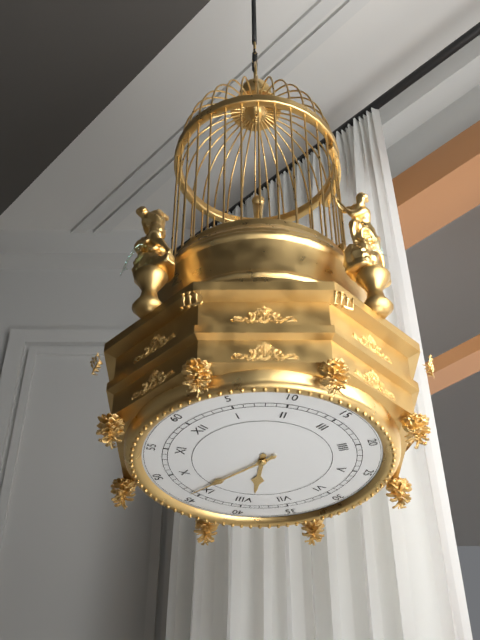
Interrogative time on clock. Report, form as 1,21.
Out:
7,46
